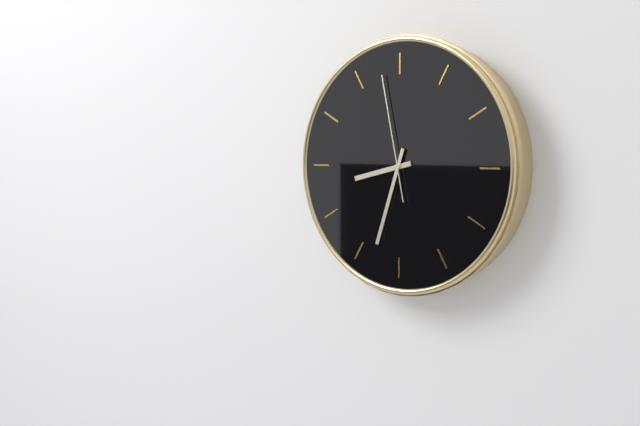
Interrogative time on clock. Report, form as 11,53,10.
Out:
8,33,58
